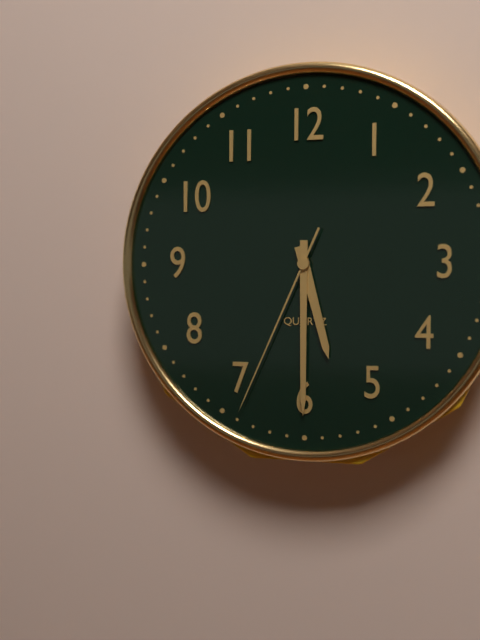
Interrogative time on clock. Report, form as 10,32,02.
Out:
5,30,34
